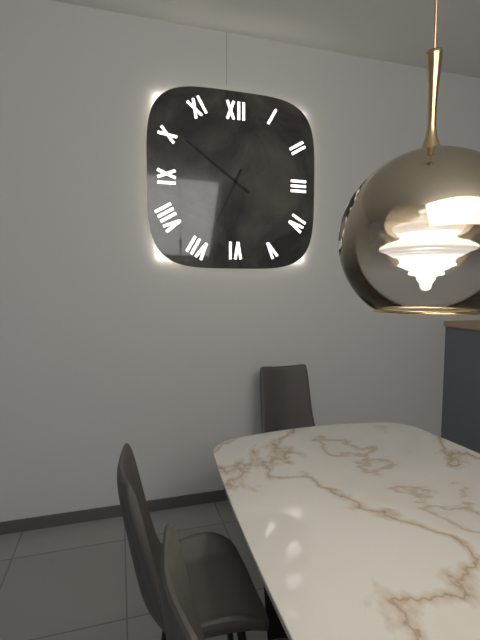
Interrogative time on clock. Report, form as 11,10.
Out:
6,51
